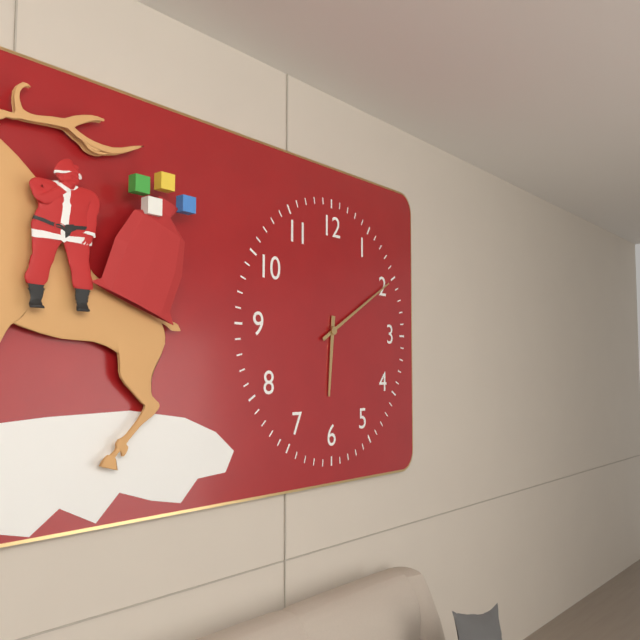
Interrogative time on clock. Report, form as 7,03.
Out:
6,10
